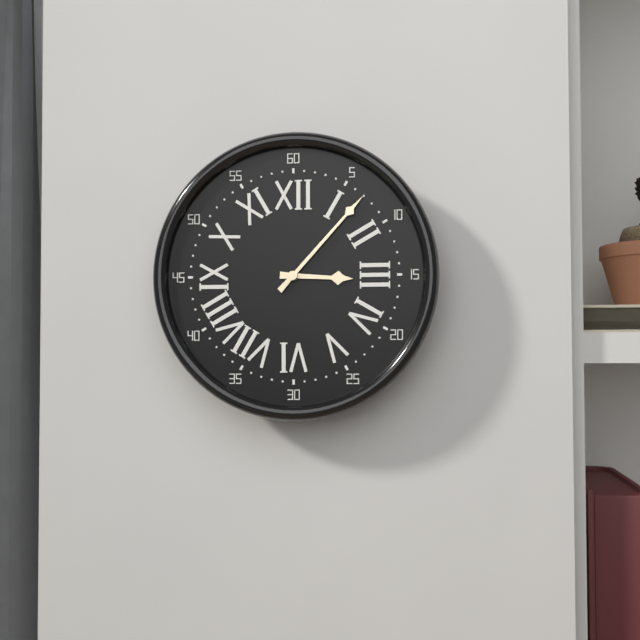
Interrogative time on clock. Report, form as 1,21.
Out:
3,07
